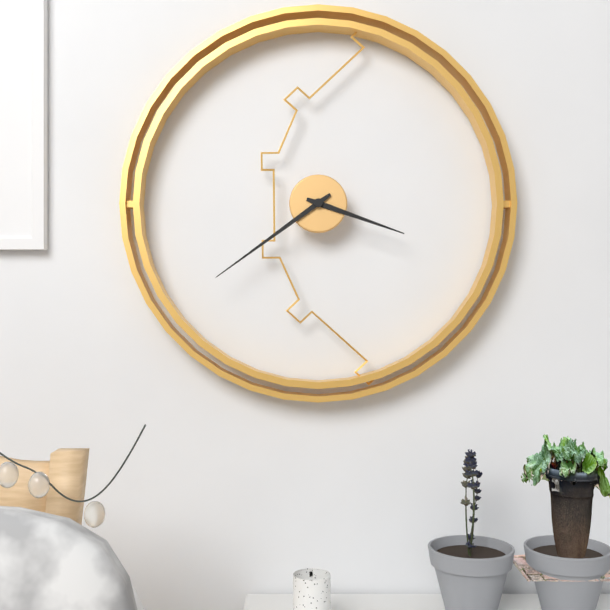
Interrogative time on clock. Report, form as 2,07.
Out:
3,39
